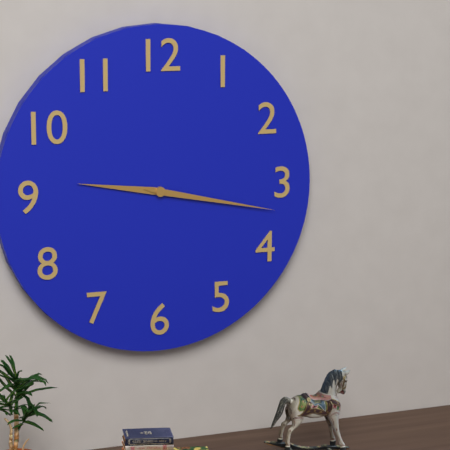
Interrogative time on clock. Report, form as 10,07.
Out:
9,17
